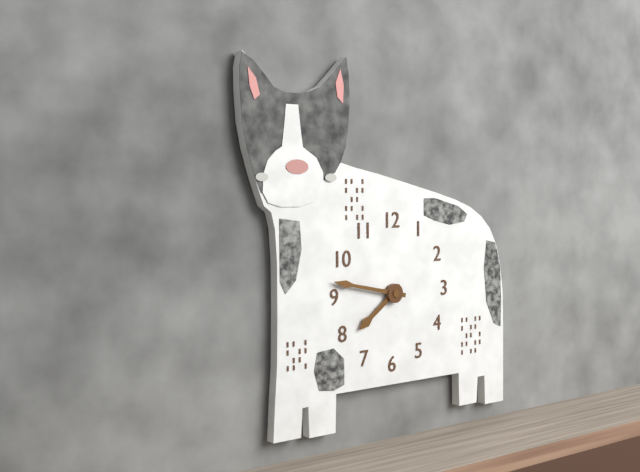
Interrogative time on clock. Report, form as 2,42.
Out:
7,47
